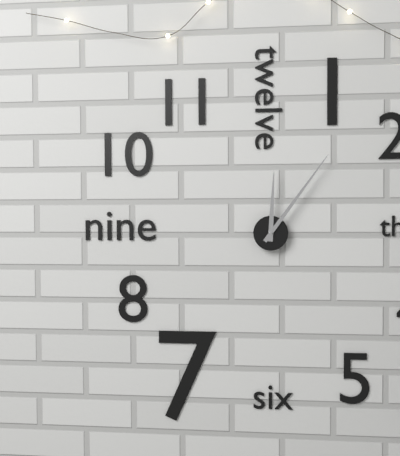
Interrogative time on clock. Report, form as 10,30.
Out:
12,06
